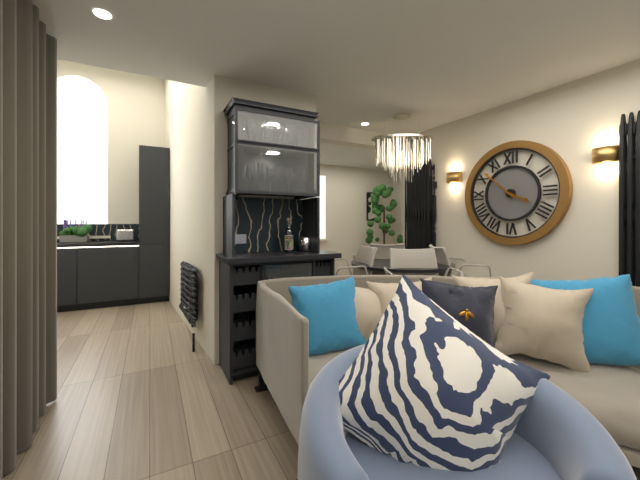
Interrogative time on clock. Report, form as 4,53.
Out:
3,52
